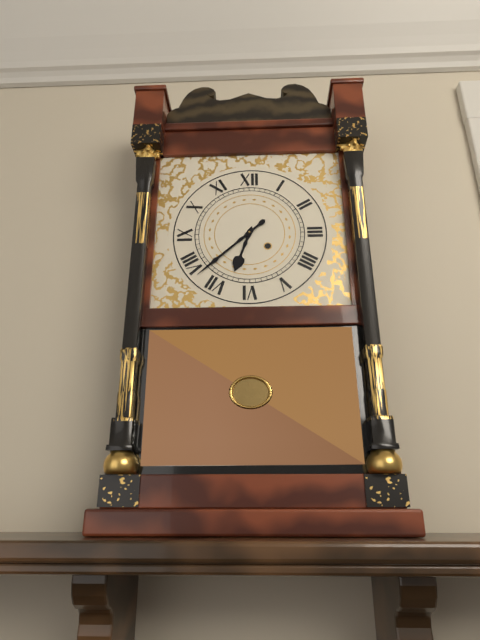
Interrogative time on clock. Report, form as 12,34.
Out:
6,38
